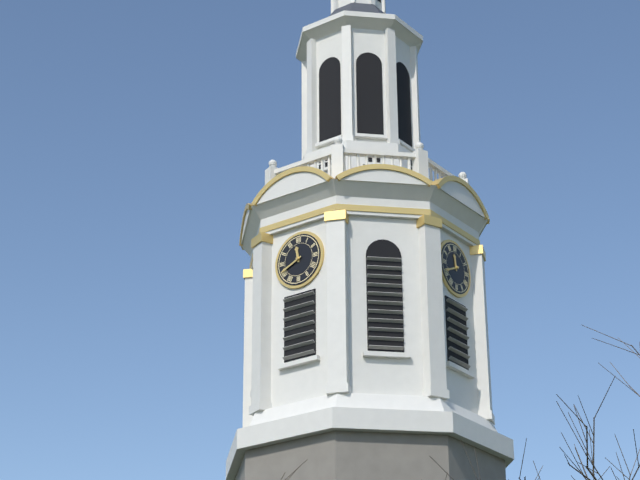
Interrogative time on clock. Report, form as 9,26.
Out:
11,41
